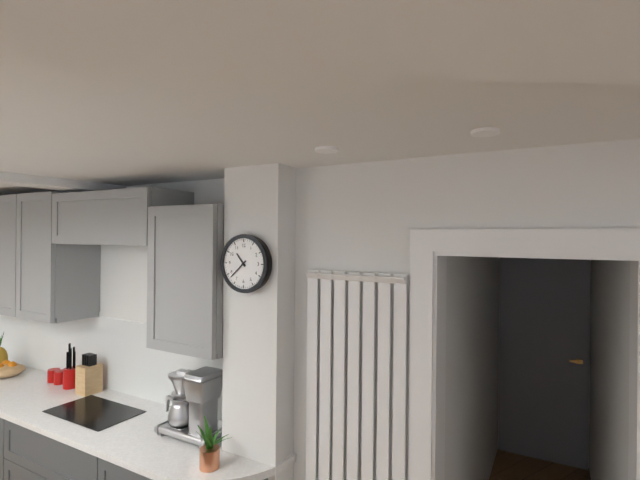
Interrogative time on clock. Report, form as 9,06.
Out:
10,38
